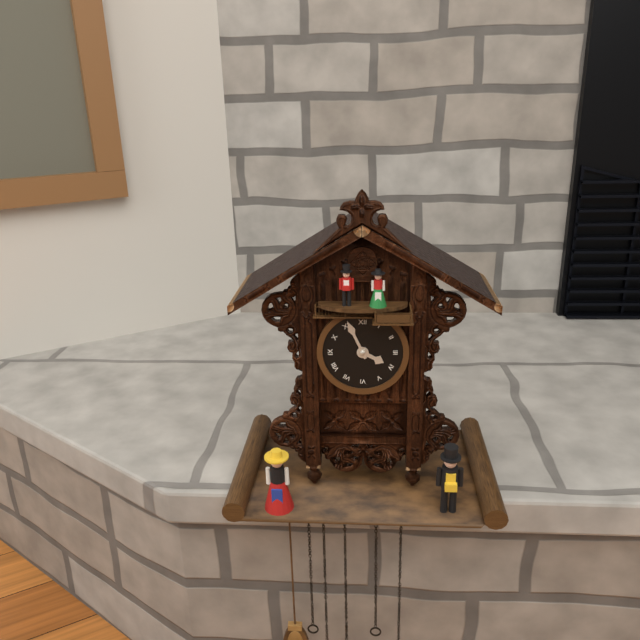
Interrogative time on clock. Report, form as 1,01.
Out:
3,56
